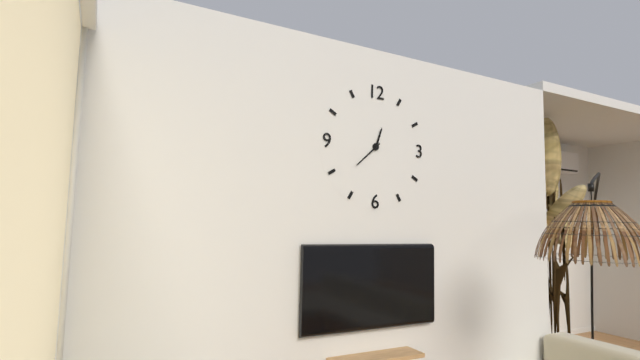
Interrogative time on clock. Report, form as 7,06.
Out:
12,38
